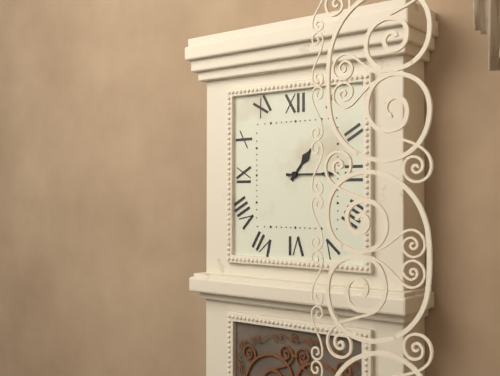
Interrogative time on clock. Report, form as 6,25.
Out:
1,15
